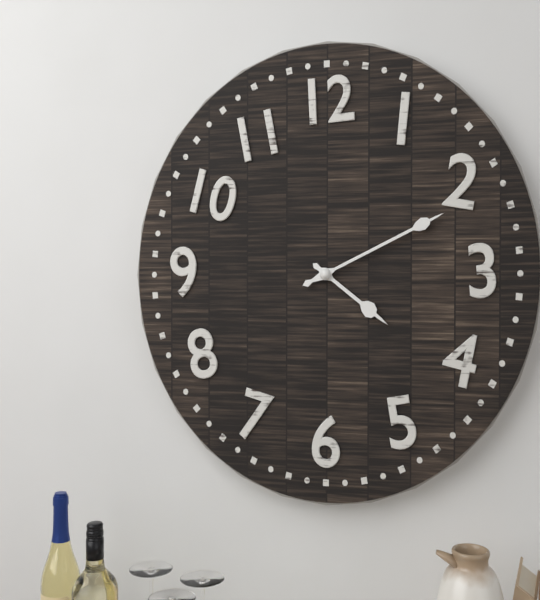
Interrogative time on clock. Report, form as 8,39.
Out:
4,11
